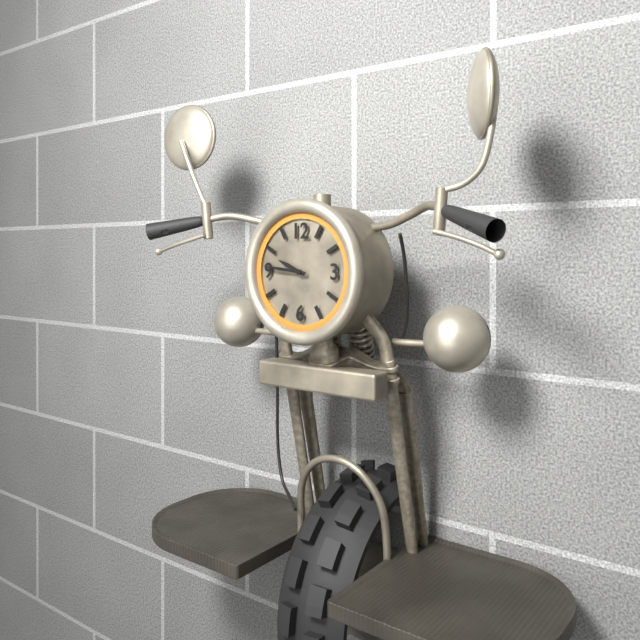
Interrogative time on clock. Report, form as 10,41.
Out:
9,46
